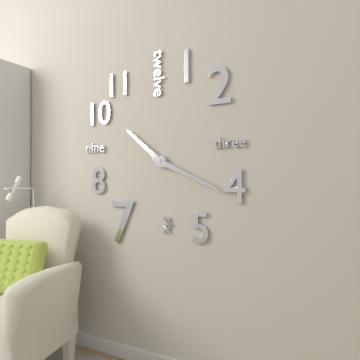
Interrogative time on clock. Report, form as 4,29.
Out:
10,19
